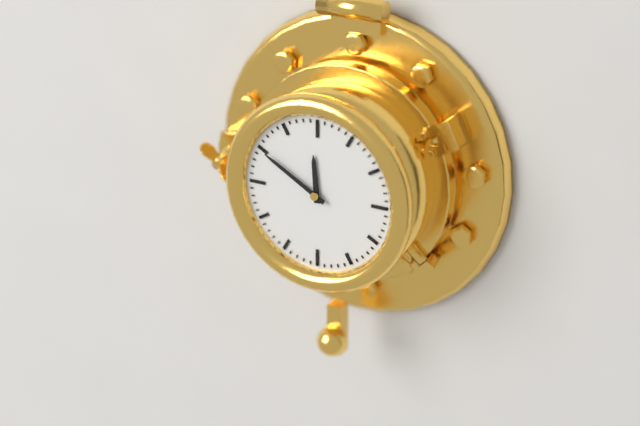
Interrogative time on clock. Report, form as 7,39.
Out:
11,50
